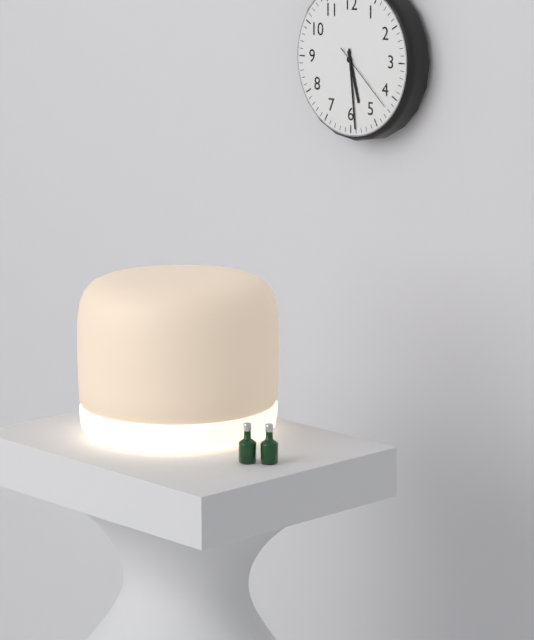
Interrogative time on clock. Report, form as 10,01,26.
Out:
5,29,22
